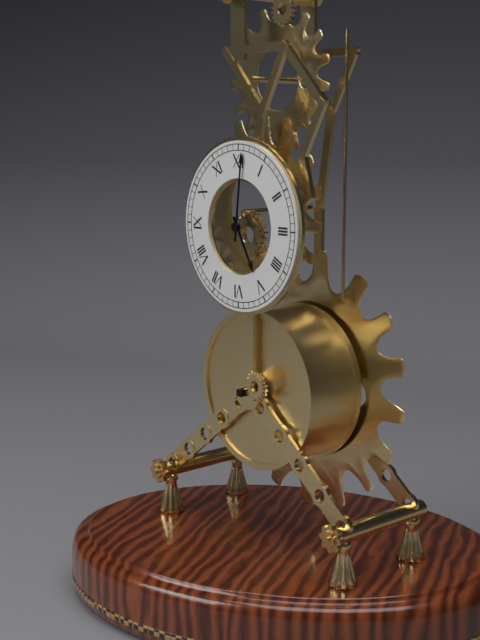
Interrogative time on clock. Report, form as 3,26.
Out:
5,01
